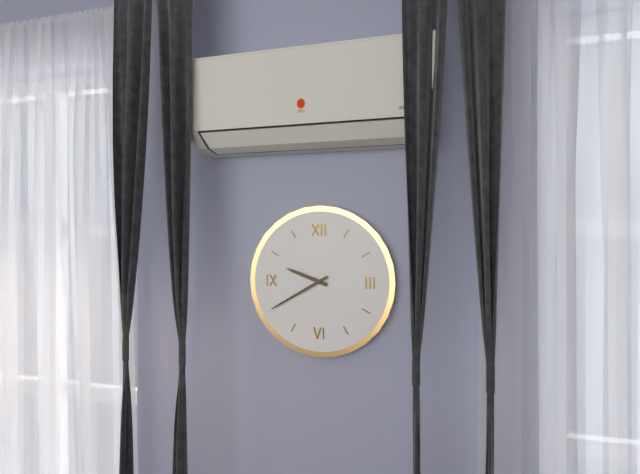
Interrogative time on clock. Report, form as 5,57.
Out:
9,40
